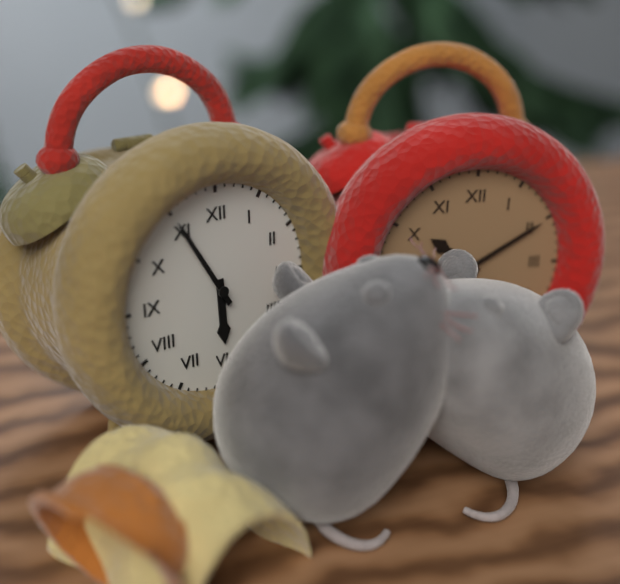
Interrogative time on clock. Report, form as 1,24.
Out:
5,55
